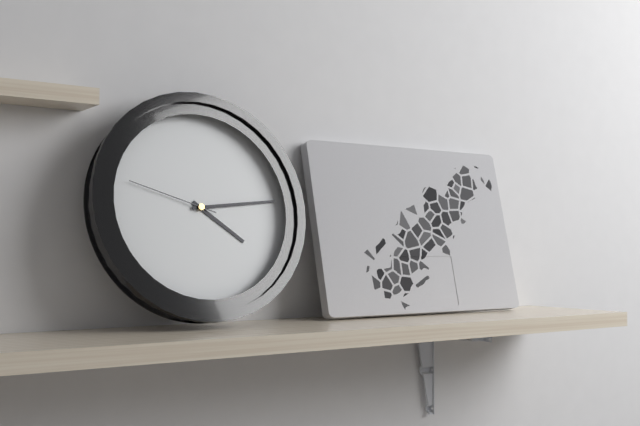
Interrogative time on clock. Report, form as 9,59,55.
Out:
4,14,48
